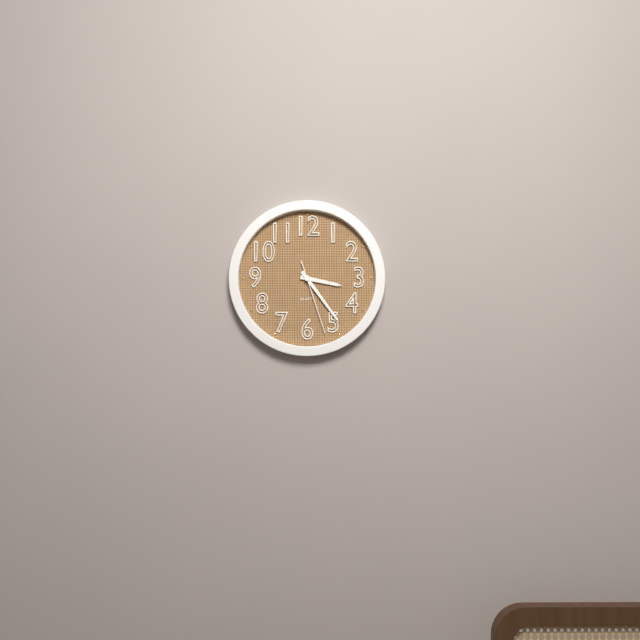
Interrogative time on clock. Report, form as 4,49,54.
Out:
3,24,27
